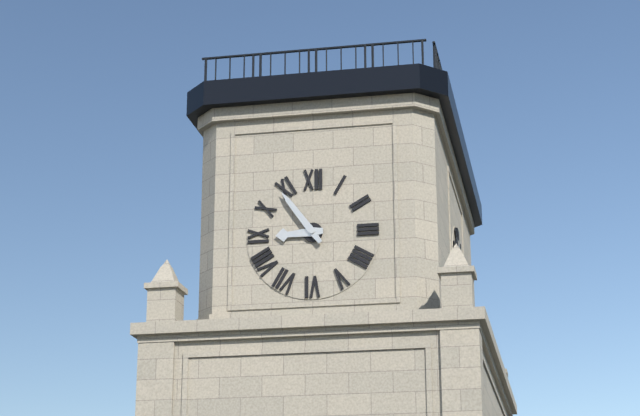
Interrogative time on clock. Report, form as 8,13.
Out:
8,54
